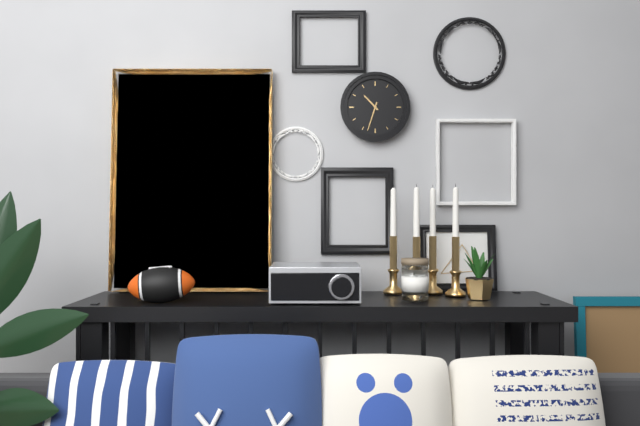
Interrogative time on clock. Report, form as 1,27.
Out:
10,33
